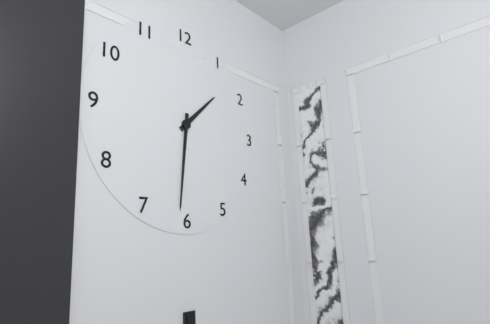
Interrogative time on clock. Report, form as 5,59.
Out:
1,31
